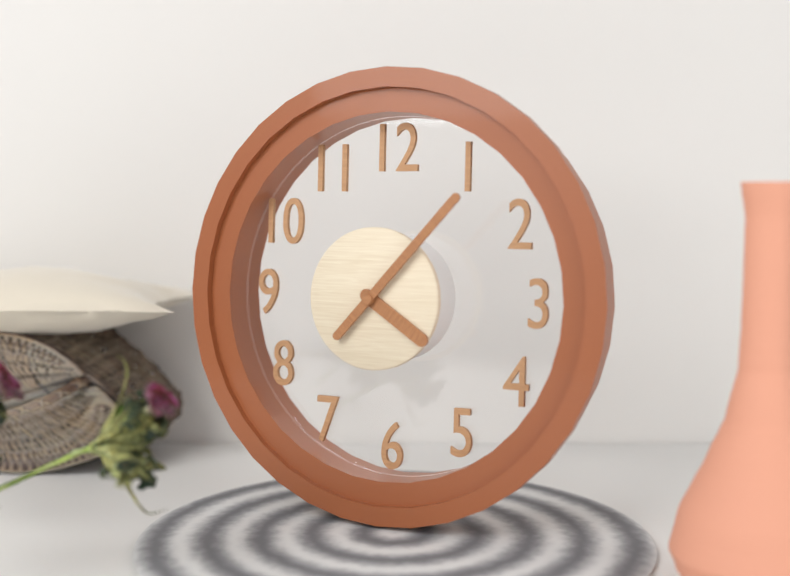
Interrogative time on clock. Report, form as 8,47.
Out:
4,07
